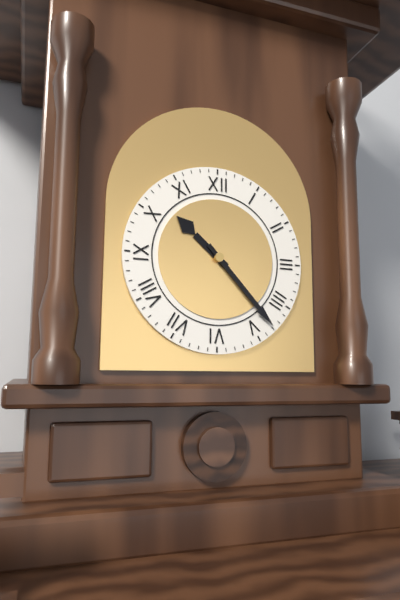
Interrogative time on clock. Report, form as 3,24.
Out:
10,23
